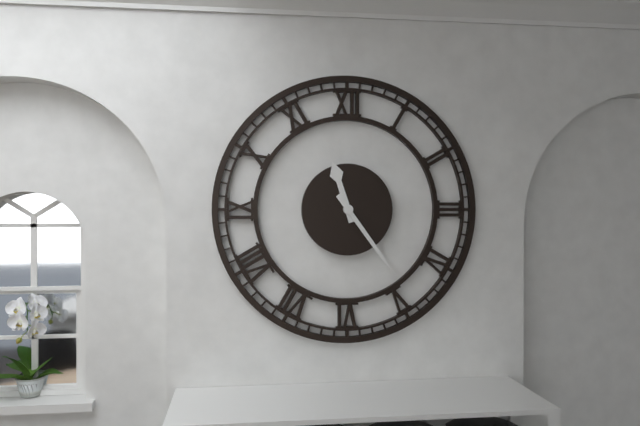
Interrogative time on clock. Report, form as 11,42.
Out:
11,24
